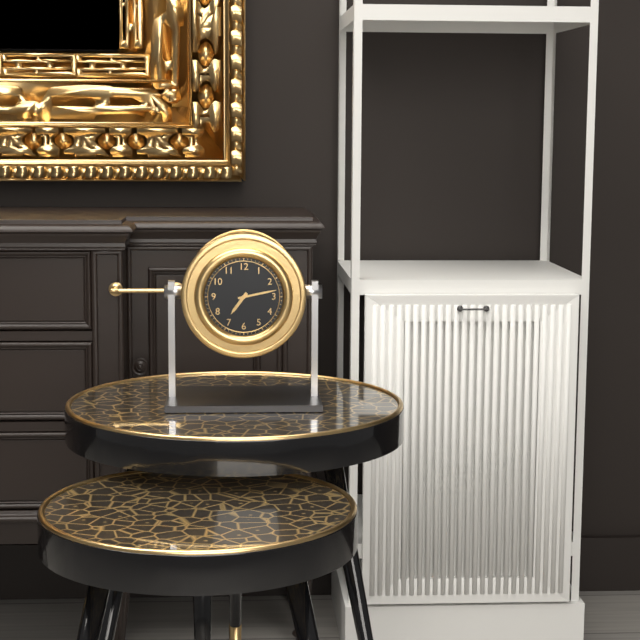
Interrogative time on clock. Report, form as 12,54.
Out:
7,13
